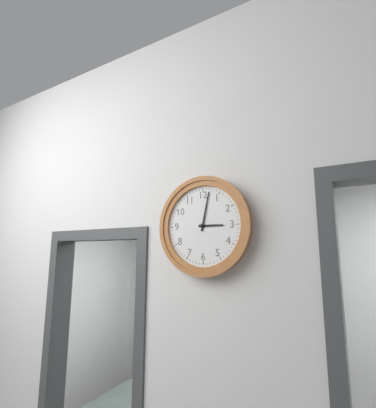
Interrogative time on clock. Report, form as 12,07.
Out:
3,02
